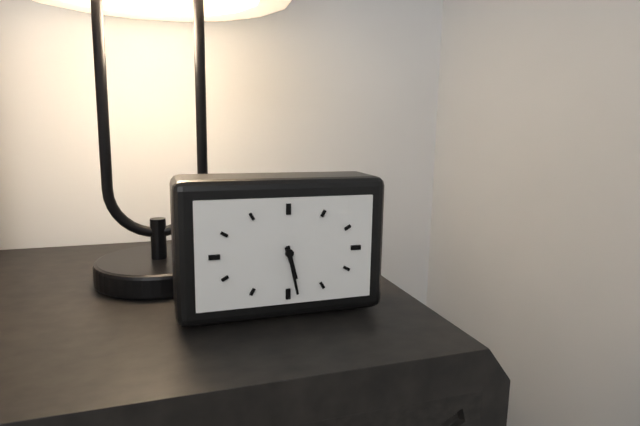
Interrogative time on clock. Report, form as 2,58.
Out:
5,28
